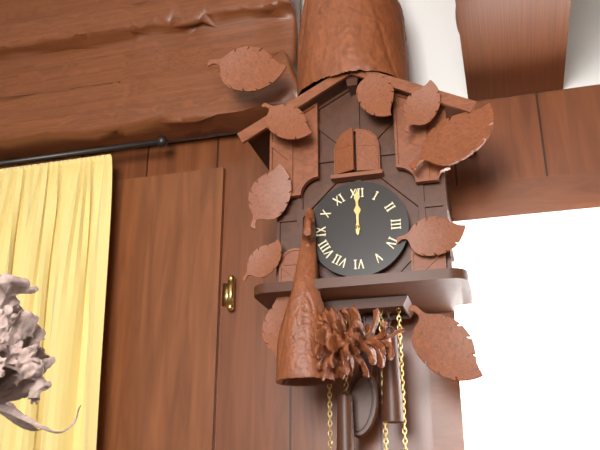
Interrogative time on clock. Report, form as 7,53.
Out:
12,00
